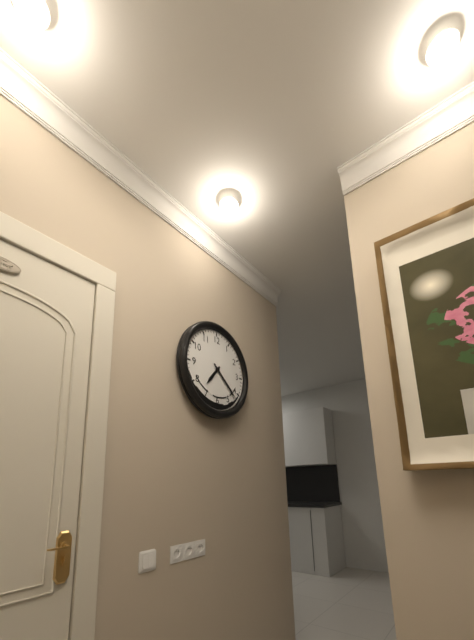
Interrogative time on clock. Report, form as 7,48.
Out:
7,22
